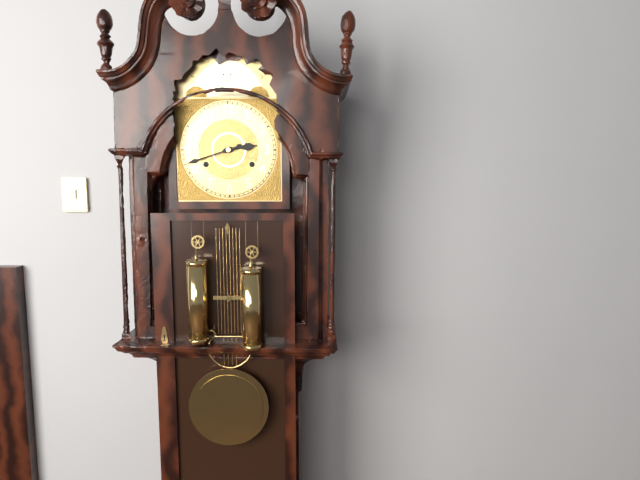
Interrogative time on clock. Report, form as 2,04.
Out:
2,42
